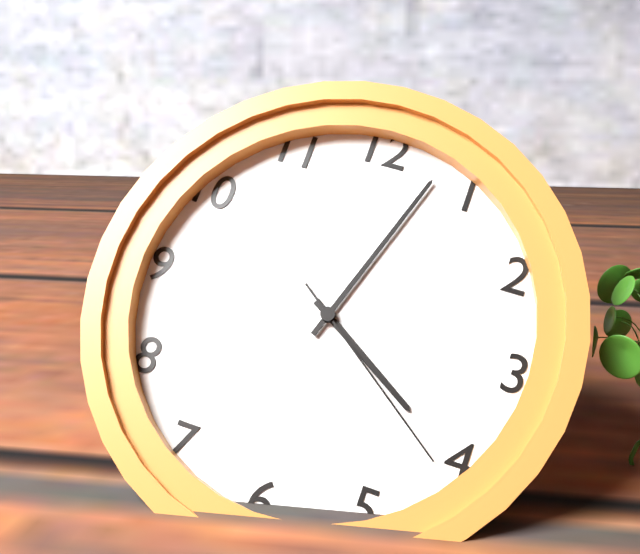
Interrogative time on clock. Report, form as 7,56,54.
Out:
4,03,21
